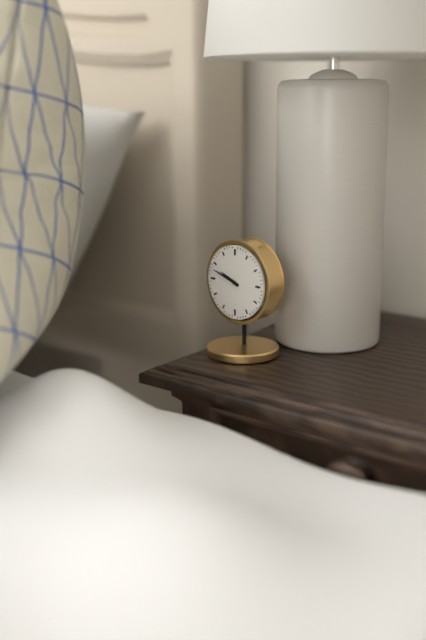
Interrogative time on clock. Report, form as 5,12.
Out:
9,48
